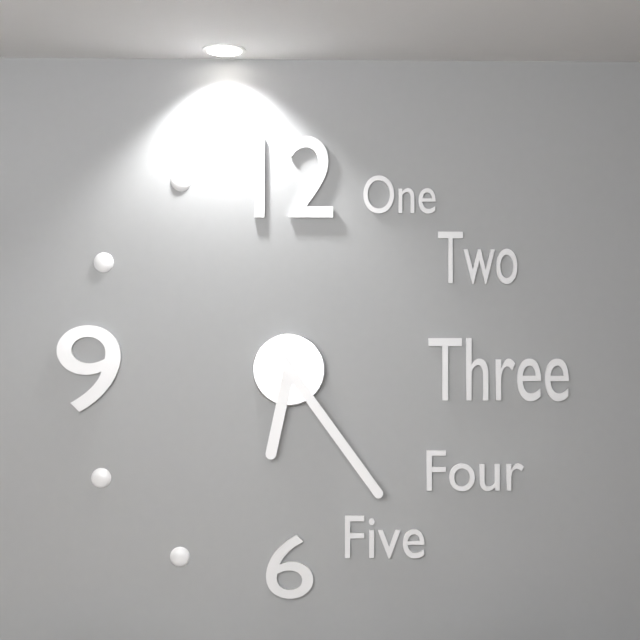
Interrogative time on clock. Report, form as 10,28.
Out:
6,24
